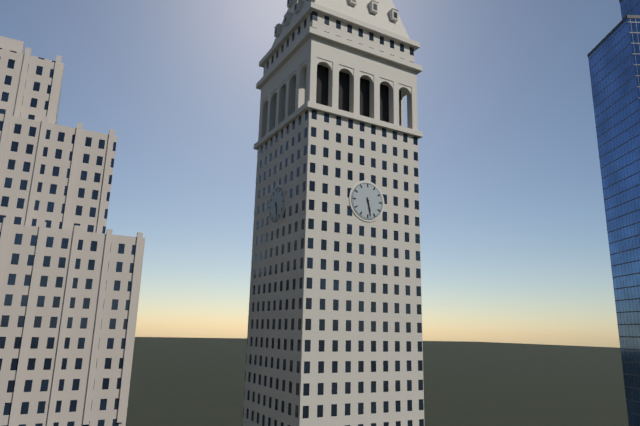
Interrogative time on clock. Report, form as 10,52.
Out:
5,28
